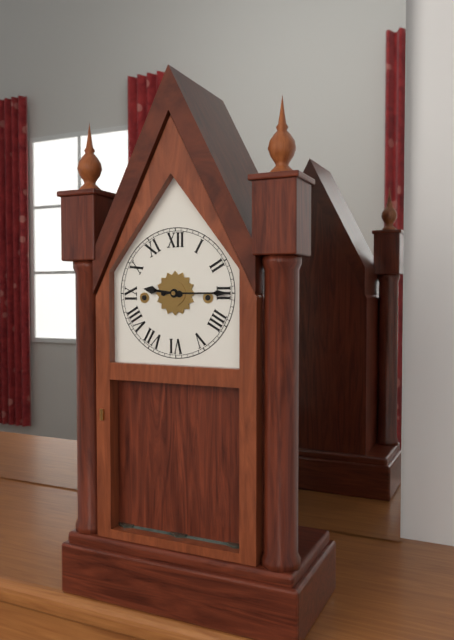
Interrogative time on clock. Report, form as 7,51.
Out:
9,15
